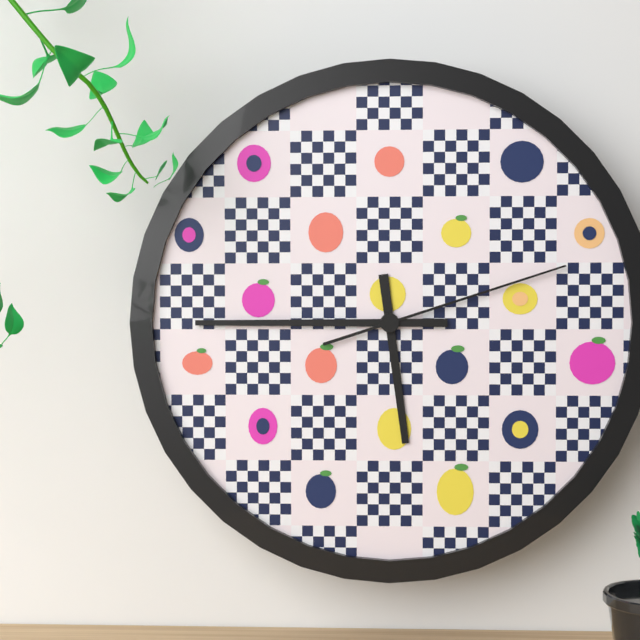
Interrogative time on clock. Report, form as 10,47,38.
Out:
5,45,12
